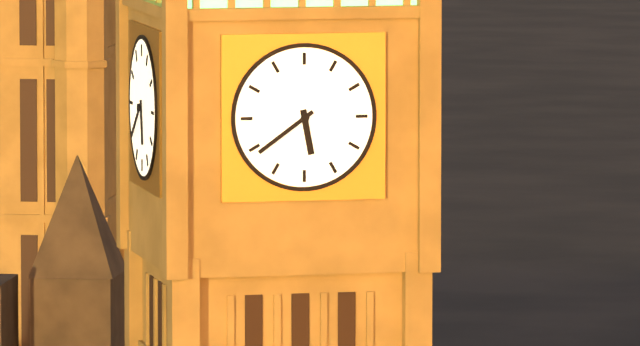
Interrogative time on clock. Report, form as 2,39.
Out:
5,39
